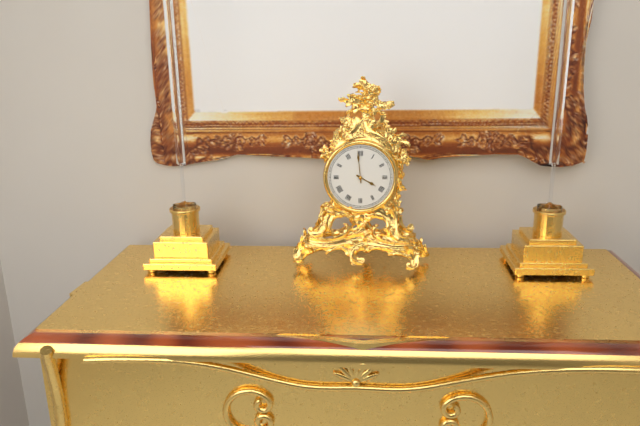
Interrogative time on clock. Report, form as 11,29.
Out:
3,59
